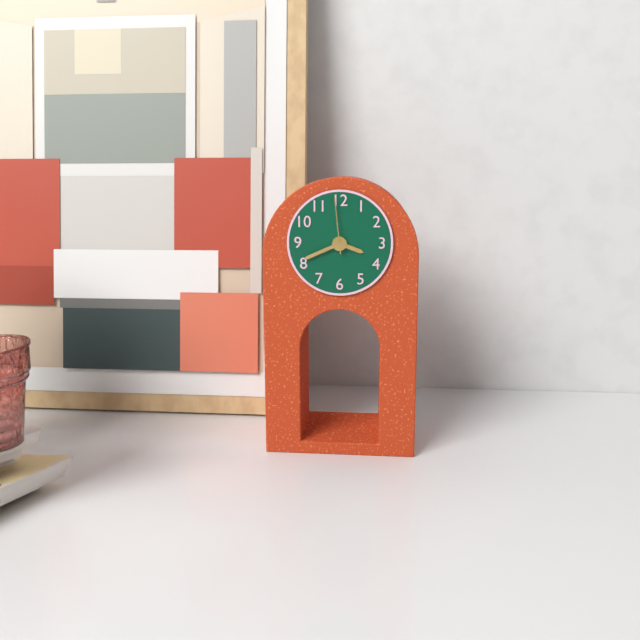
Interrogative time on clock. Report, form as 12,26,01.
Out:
3,41,59
